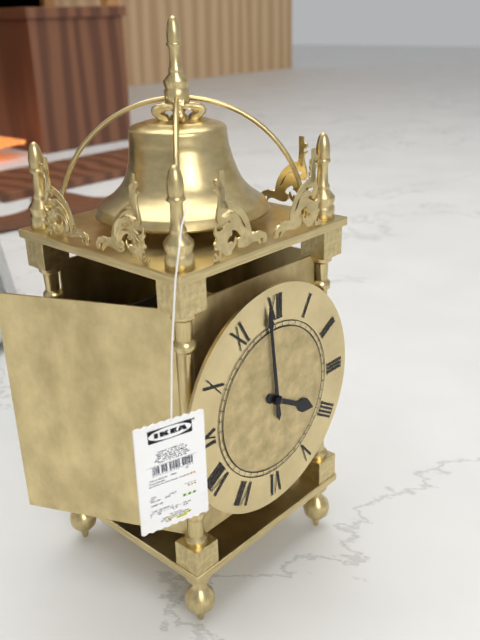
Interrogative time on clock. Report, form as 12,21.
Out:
3,59
